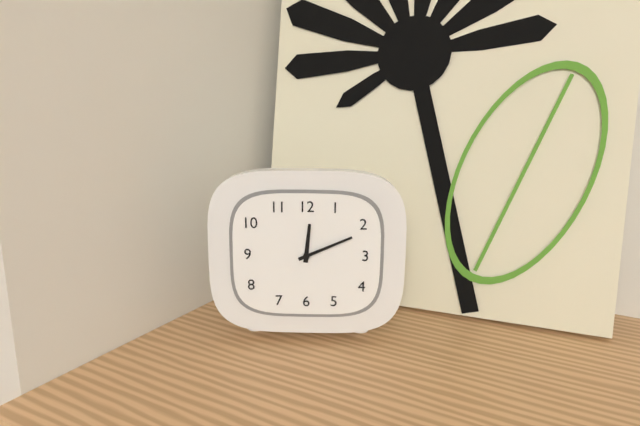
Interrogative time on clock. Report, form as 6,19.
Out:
12,11
